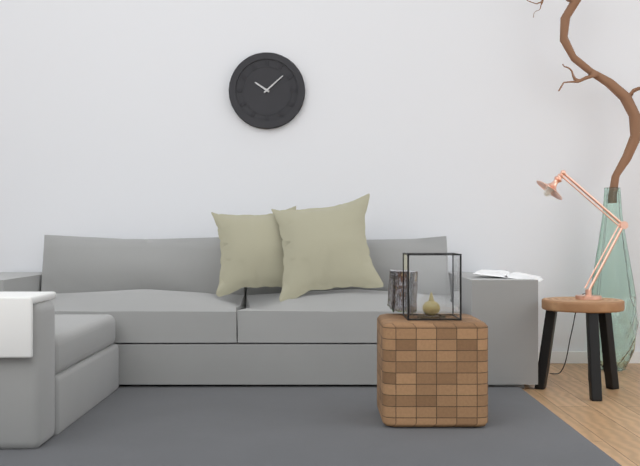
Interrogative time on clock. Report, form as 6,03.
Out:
10,08
